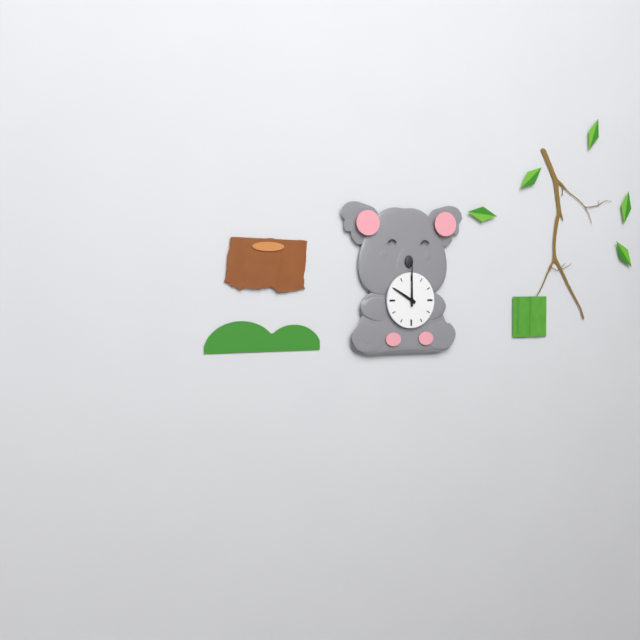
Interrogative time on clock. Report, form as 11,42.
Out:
10,00
